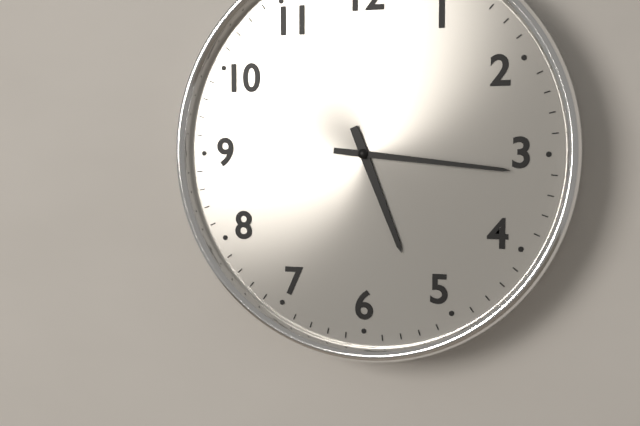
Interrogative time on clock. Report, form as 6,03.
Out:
5,16
